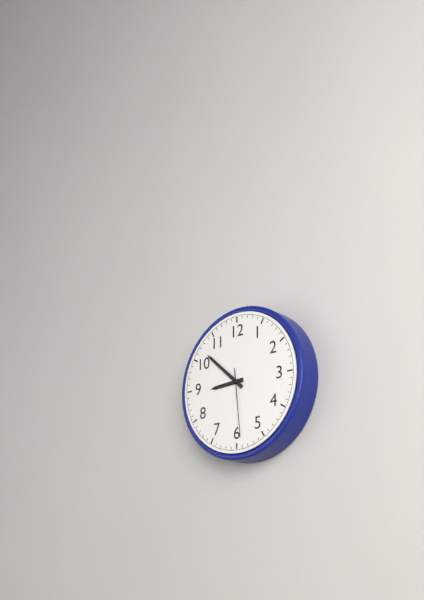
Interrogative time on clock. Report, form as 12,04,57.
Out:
8,52,29
